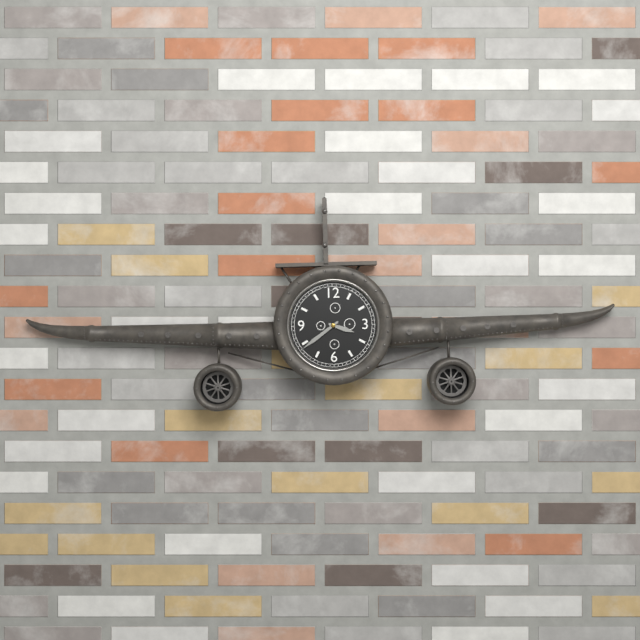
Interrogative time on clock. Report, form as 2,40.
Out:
3,39
